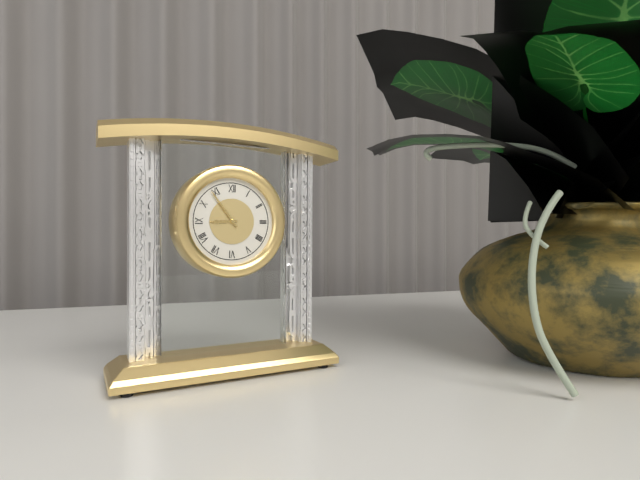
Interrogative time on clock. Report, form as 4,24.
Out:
8,54
